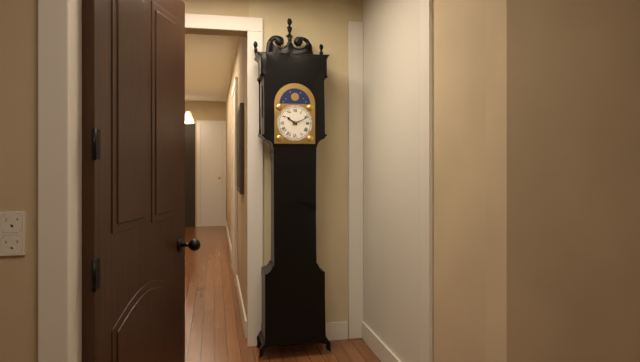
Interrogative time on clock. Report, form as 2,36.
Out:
10,11
